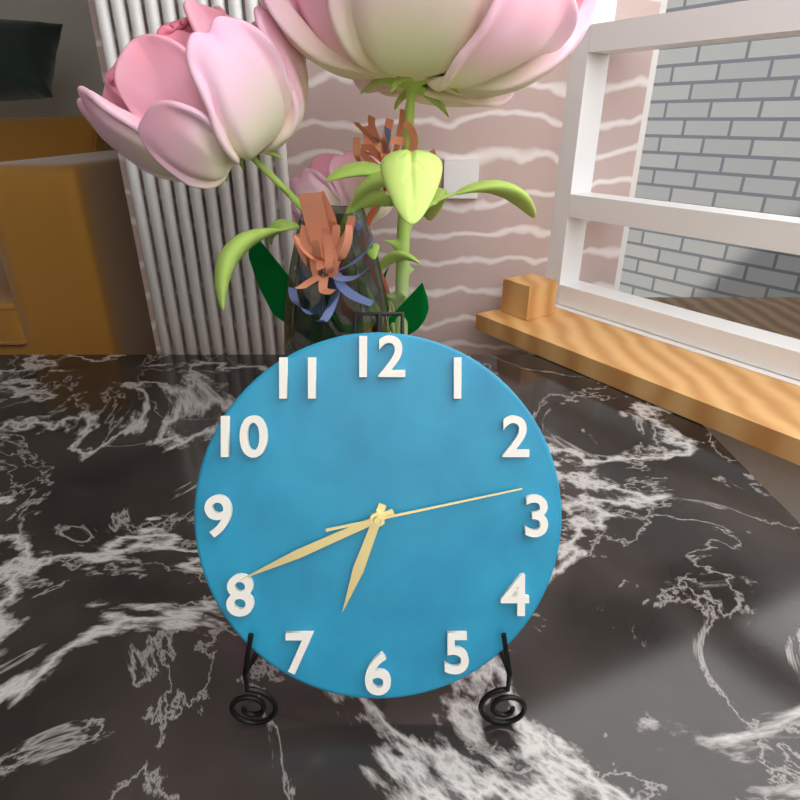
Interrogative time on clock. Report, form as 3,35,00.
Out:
6,41,13
